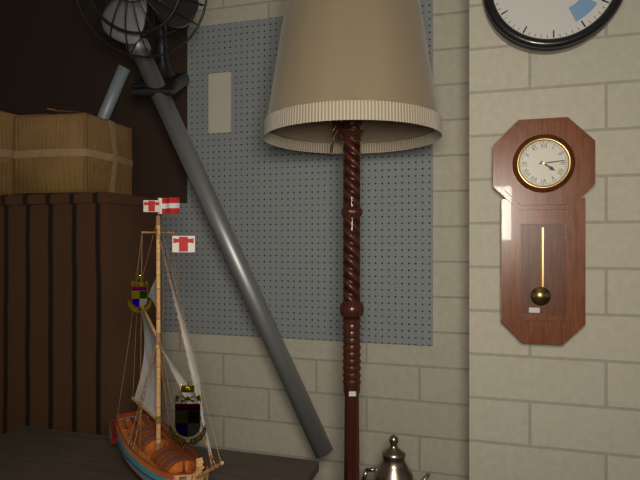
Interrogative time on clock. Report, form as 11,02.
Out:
4,14
